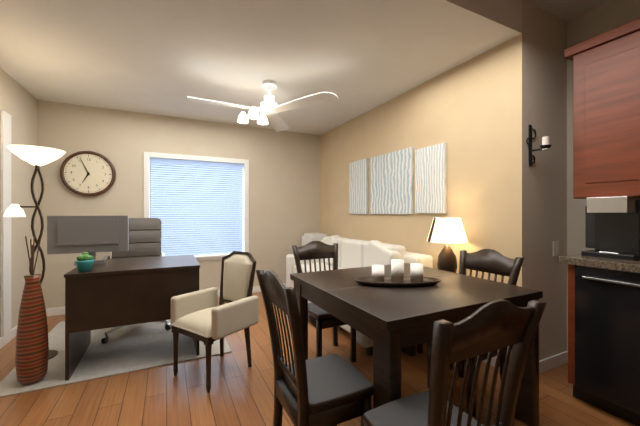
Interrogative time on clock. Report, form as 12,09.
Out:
6,56
